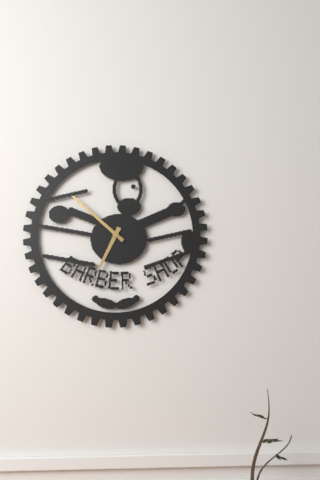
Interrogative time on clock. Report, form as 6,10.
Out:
6,52
